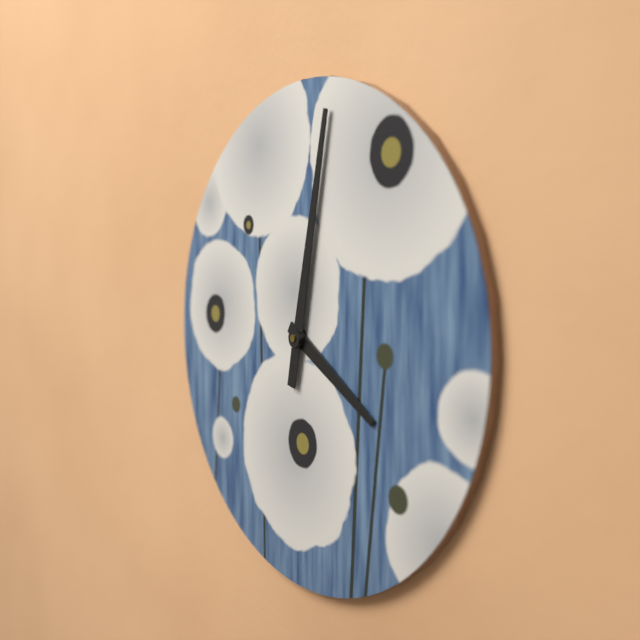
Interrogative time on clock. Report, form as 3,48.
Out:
4,02
